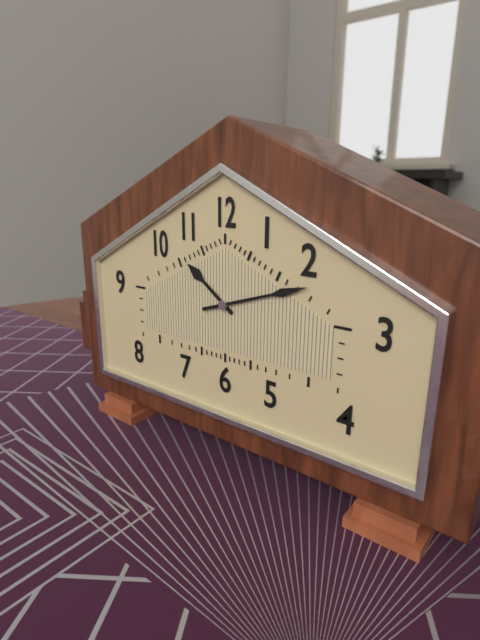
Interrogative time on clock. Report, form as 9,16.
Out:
10,12
